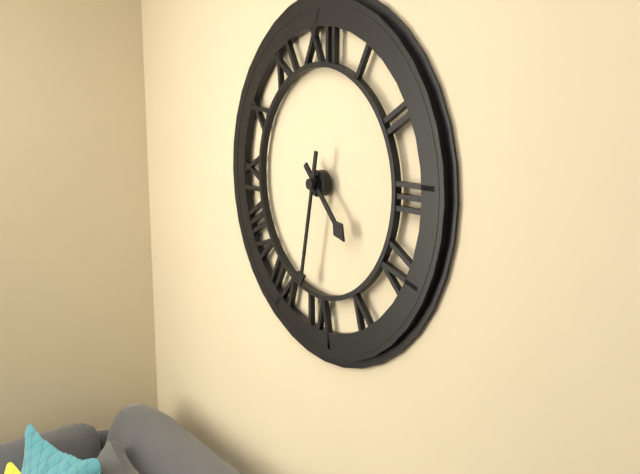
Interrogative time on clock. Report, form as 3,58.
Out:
4,32
